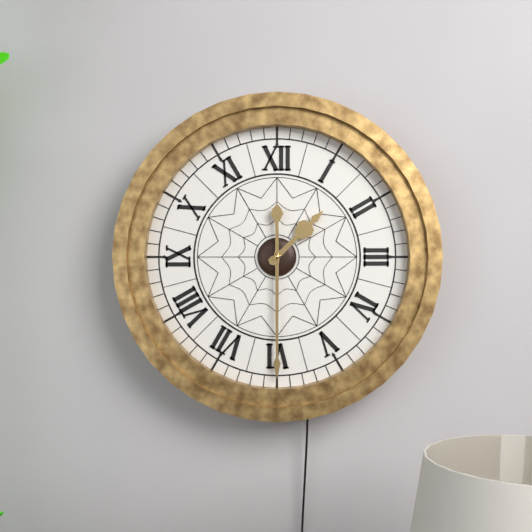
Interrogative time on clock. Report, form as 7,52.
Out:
1,30
